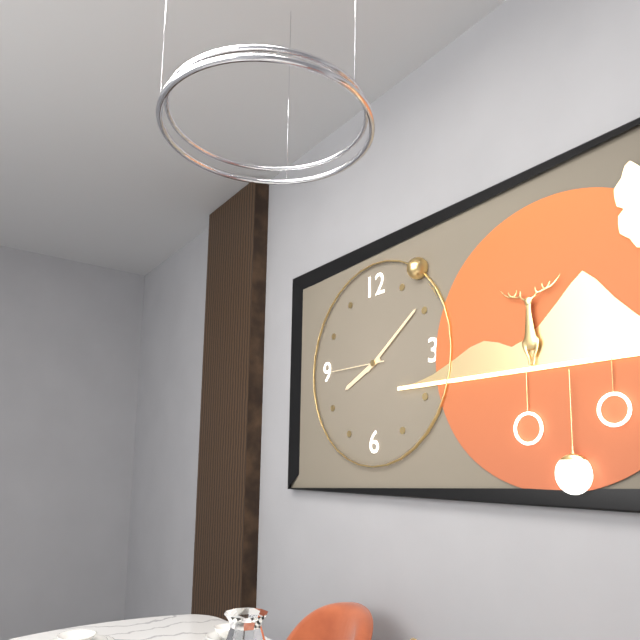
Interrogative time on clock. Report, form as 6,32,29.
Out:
8,09,45
